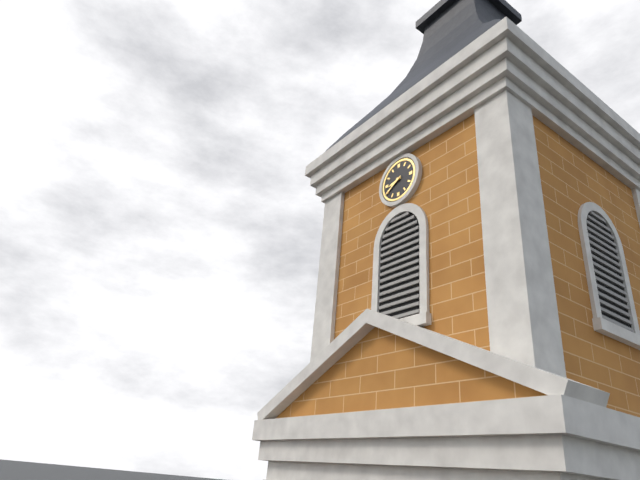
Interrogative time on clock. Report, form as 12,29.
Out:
8,40
